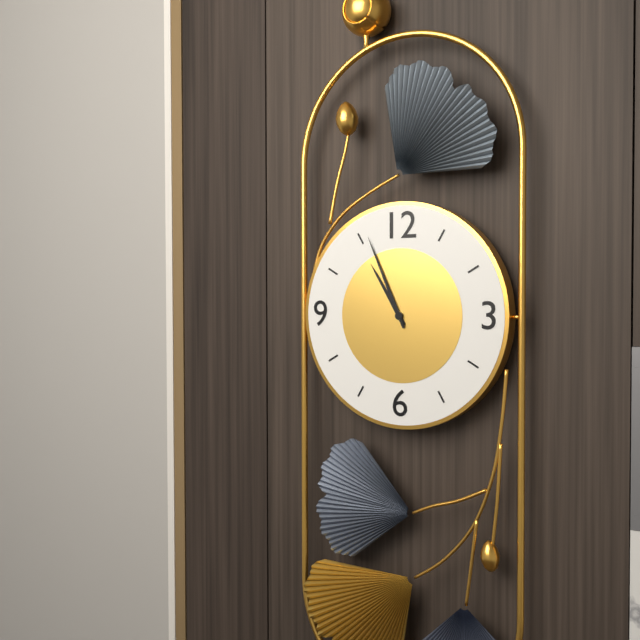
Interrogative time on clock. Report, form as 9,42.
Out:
10,56
